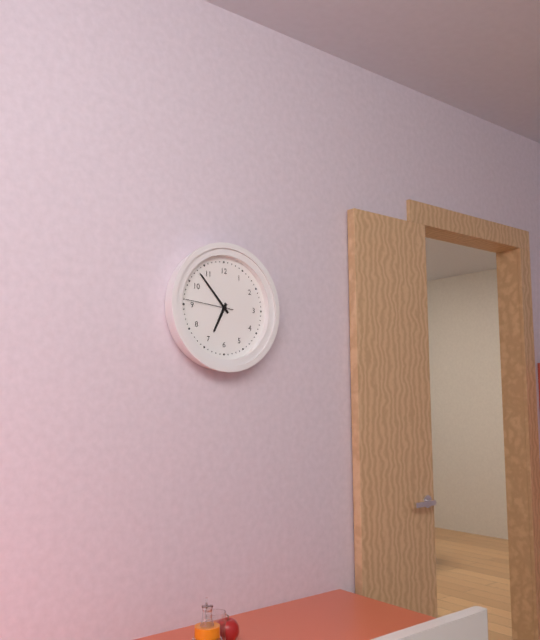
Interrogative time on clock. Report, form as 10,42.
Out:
6,53
